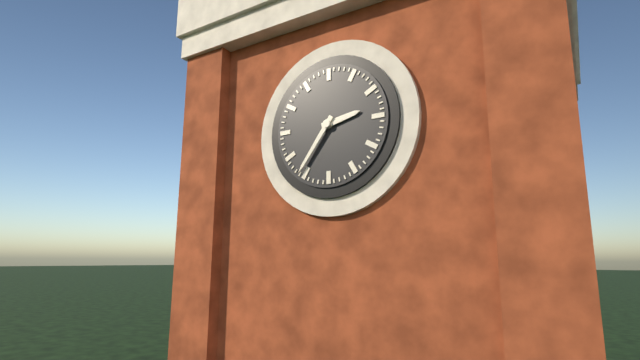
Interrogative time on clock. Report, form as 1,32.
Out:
2,36
